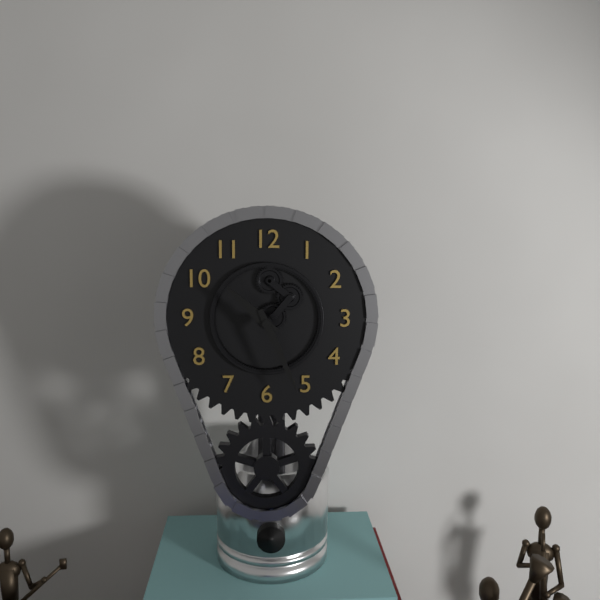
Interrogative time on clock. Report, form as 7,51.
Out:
10,26
